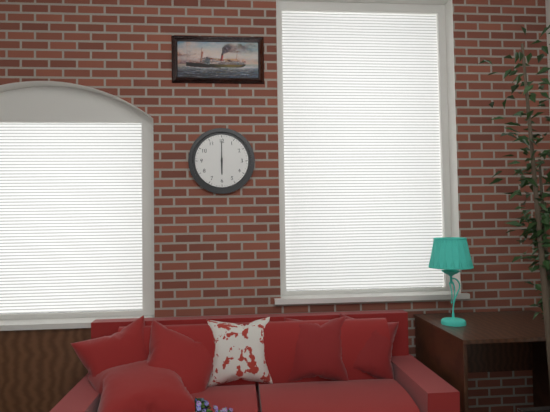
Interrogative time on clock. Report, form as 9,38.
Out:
6,00
